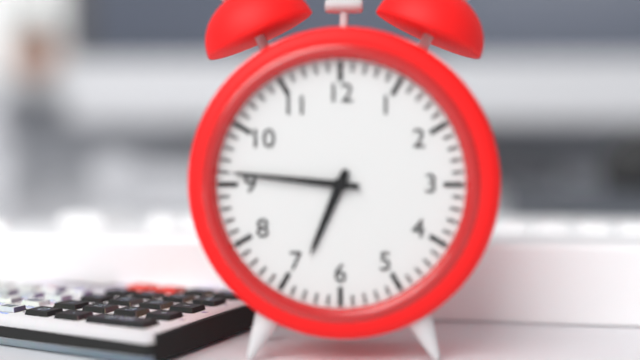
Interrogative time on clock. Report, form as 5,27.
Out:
6,46
